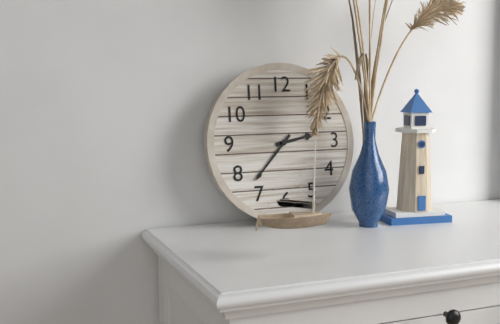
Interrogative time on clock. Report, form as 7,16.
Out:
2,37
